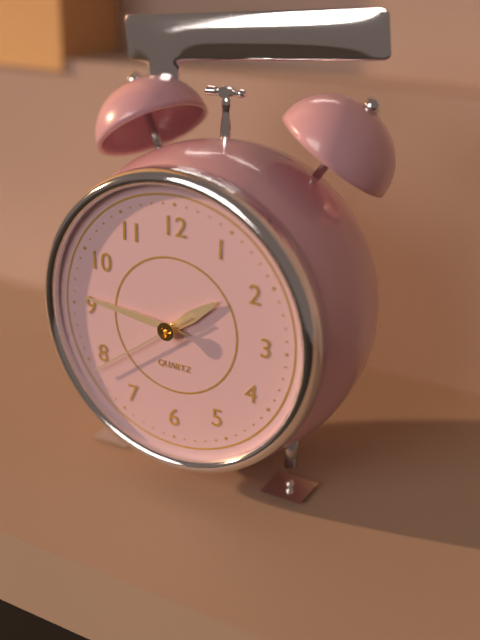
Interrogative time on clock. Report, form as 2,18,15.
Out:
1,46,39
